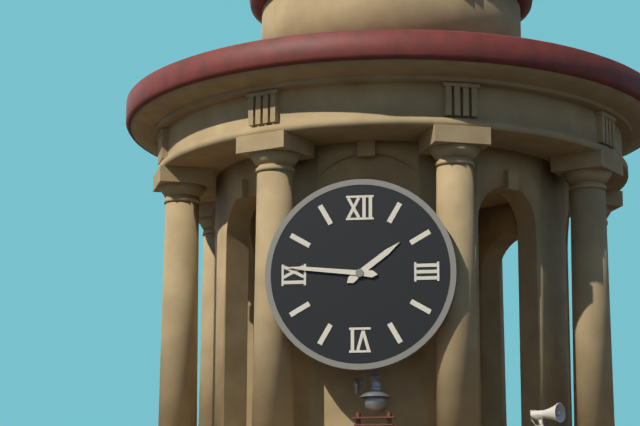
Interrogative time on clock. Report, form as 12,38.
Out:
1,46
